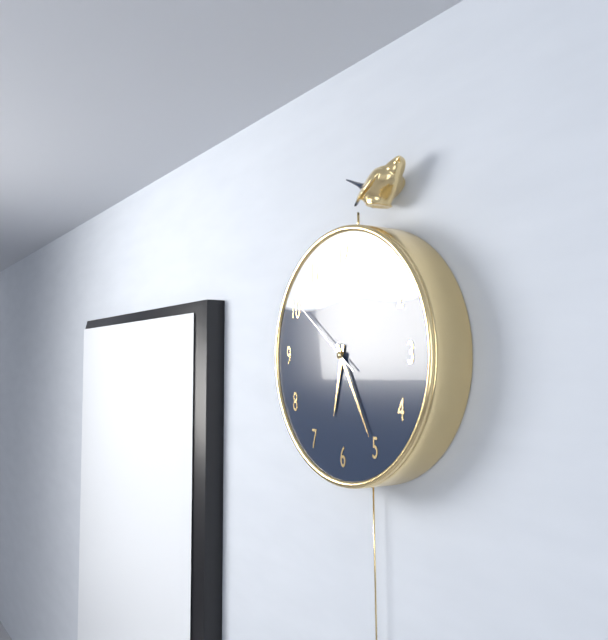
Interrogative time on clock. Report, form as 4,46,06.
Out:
6,25,51
